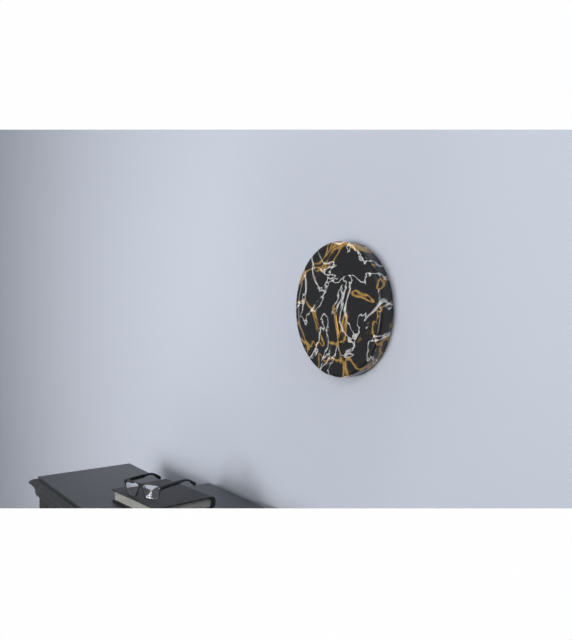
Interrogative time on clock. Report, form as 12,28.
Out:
5,28
